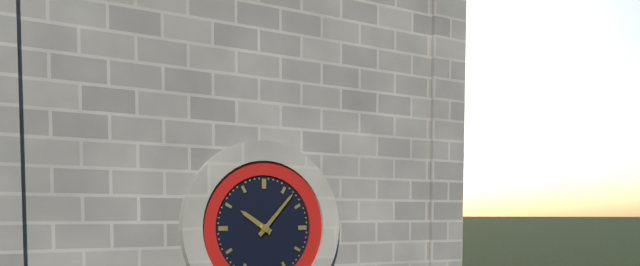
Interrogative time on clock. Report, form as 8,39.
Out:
10,07
